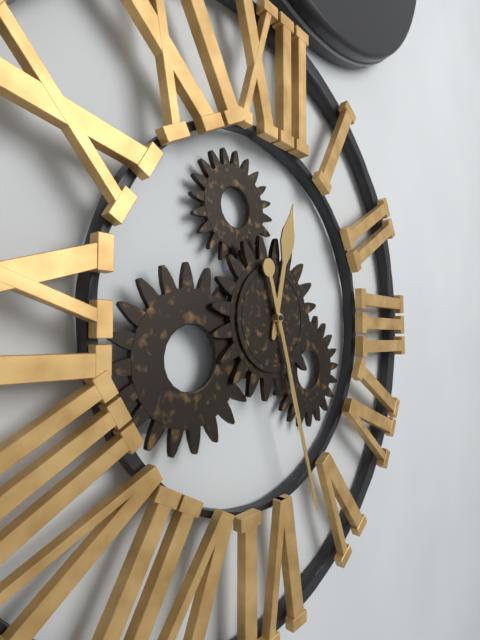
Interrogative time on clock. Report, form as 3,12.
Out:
12,27
